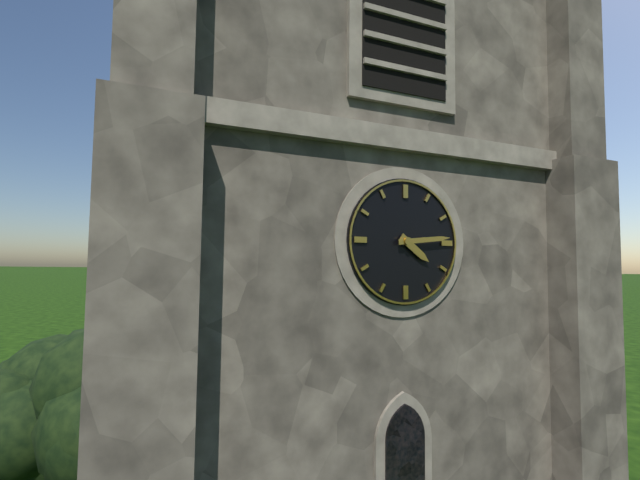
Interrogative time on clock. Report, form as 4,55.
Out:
4,14
